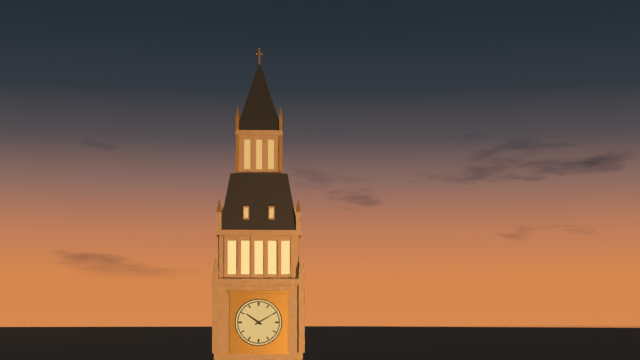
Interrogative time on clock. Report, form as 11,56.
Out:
10,10
